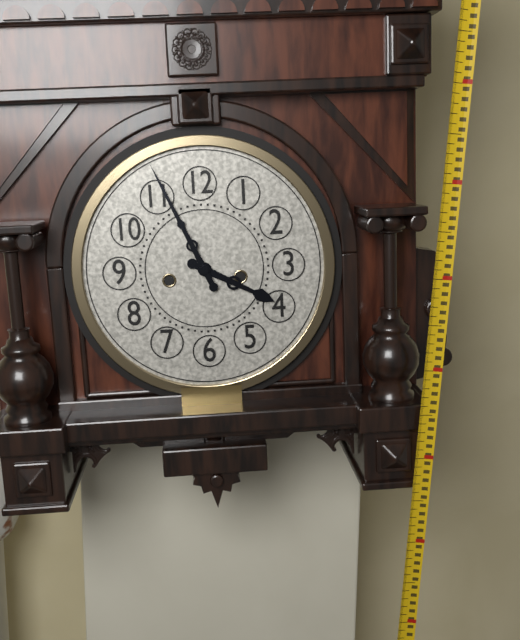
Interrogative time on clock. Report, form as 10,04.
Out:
3,56
